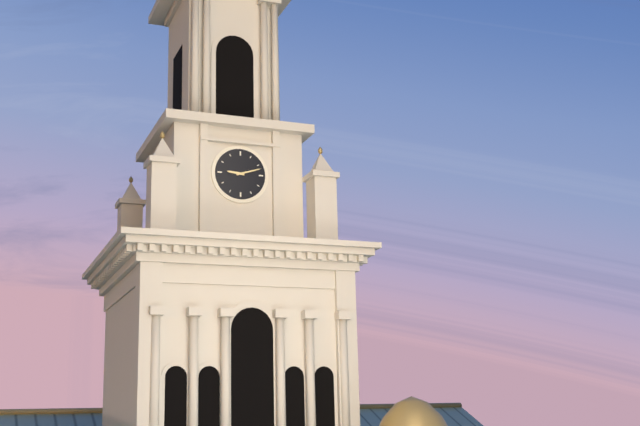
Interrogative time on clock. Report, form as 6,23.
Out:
9,12
